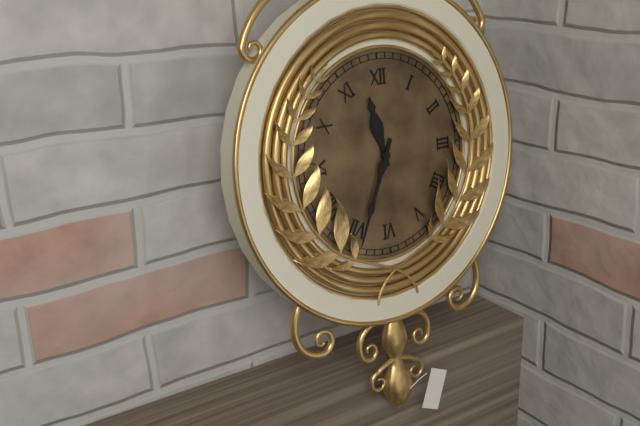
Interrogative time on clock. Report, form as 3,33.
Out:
11,34
